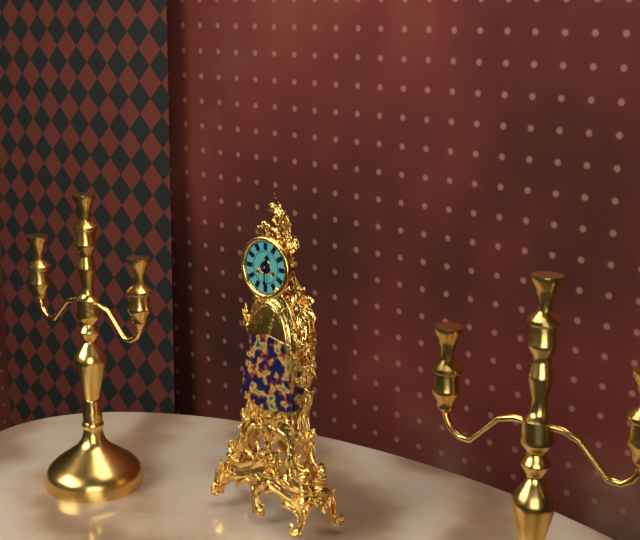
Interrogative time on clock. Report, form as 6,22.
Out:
12,30
